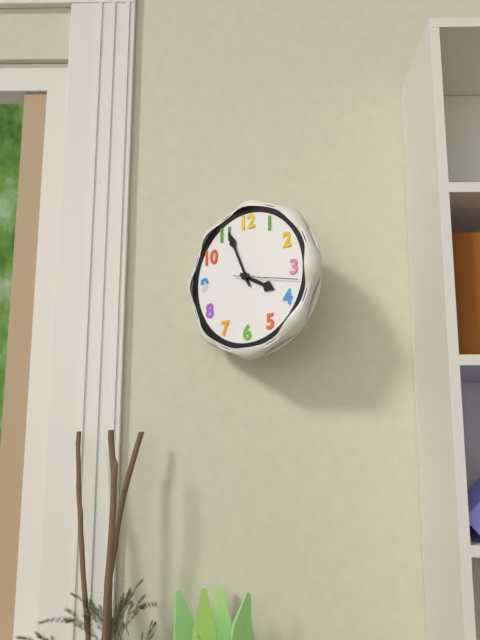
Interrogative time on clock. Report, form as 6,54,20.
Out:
3,56,17
